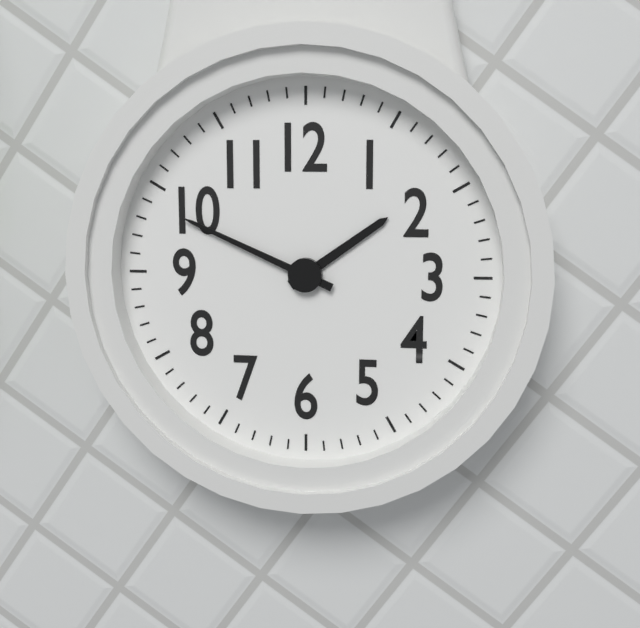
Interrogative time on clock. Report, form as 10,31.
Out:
1,49
